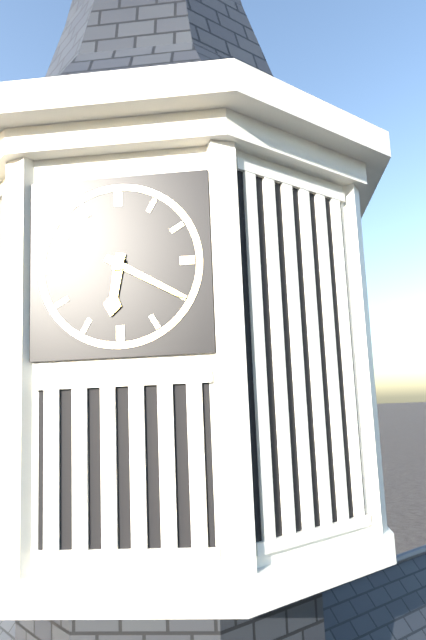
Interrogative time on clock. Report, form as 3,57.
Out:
6,20
